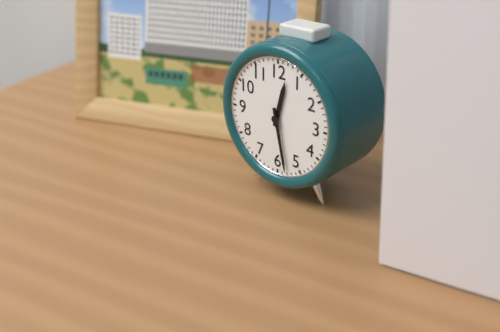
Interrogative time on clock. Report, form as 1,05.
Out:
12,28
